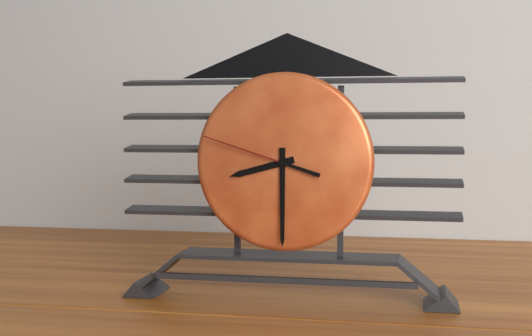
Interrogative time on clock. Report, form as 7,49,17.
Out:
8,30,48
